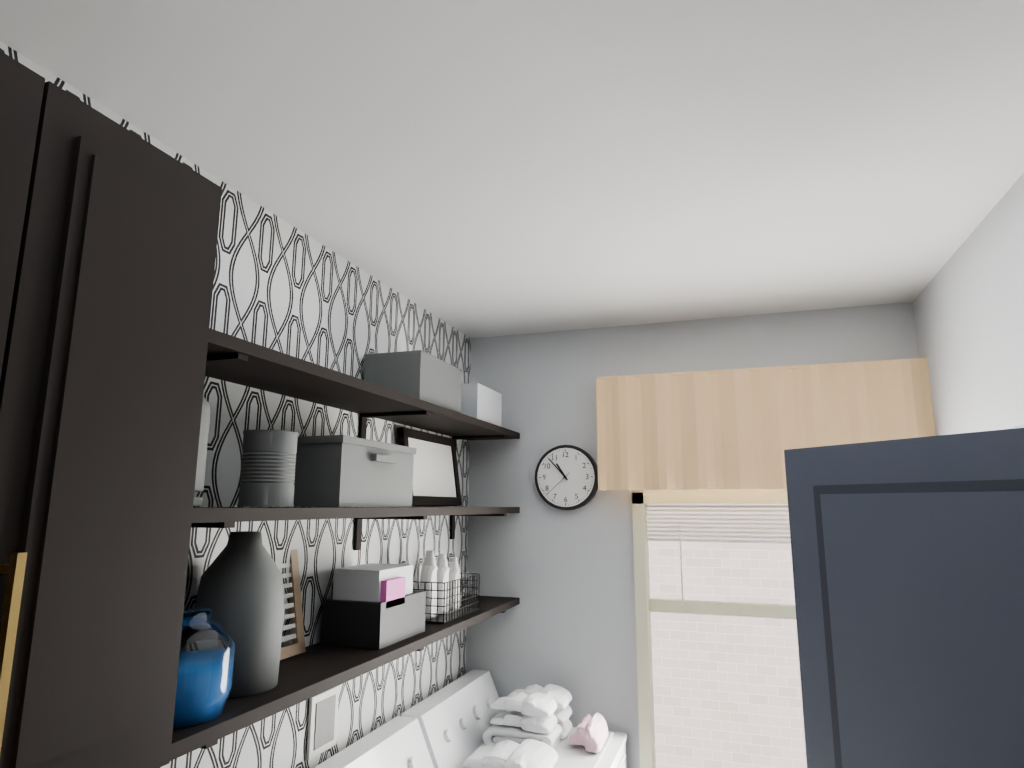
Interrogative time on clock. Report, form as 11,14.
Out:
10,53
